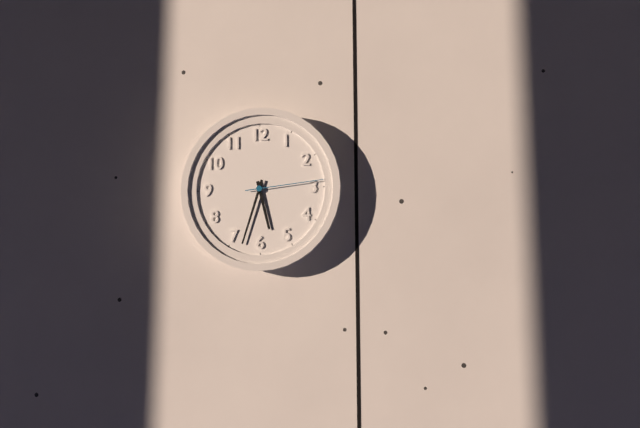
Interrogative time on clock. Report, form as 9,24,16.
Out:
5,33,14
